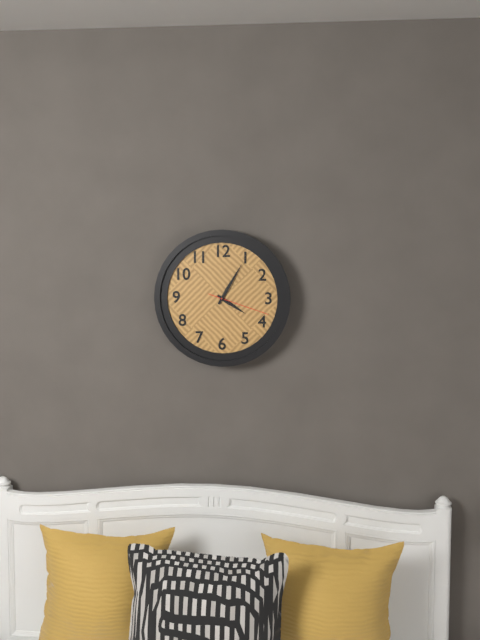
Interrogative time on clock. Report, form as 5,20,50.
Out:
4,05,18
